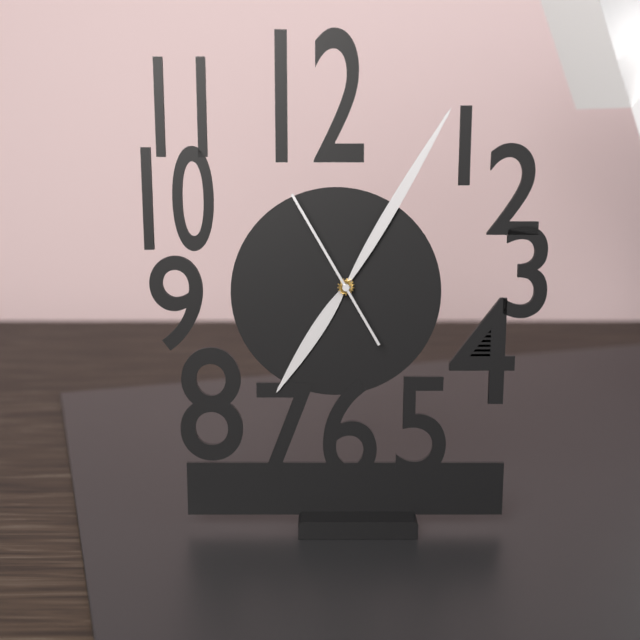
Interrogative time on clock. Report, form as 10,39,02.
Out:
7,05,55
